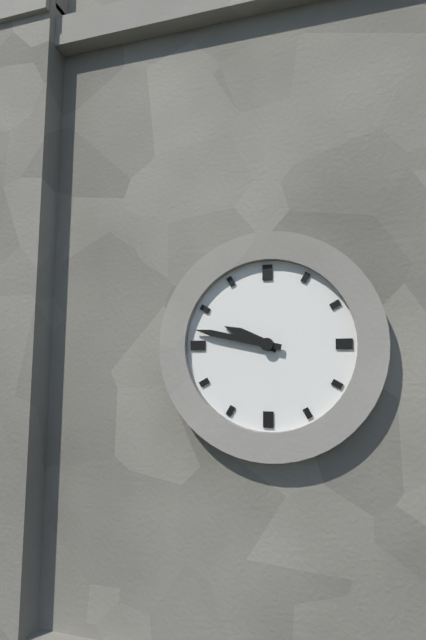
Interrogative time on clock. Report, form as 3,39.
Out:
9,47
